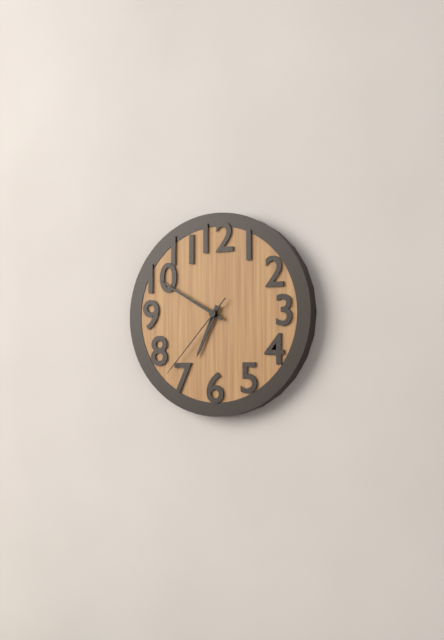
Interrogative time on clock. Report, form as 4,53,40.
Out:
6,50,37
